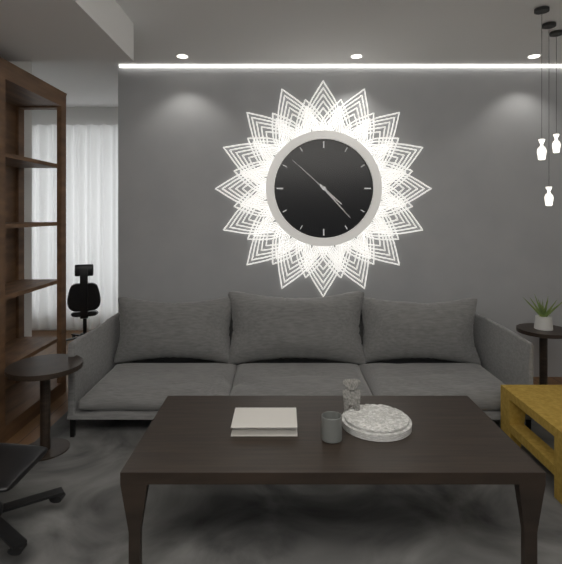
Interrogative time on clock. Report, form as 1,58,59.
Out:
4,23,52
